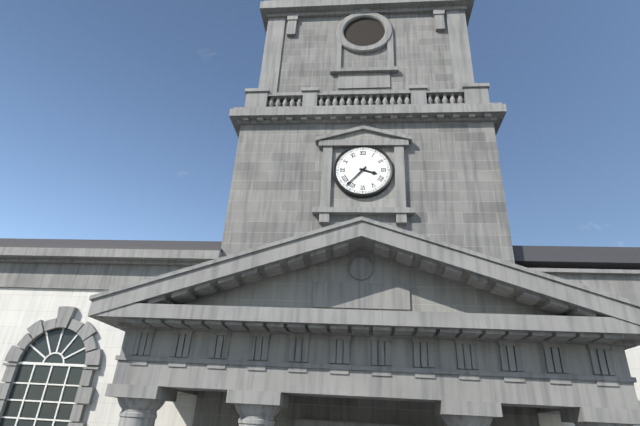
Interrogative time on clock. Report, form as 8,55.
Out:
3,37
